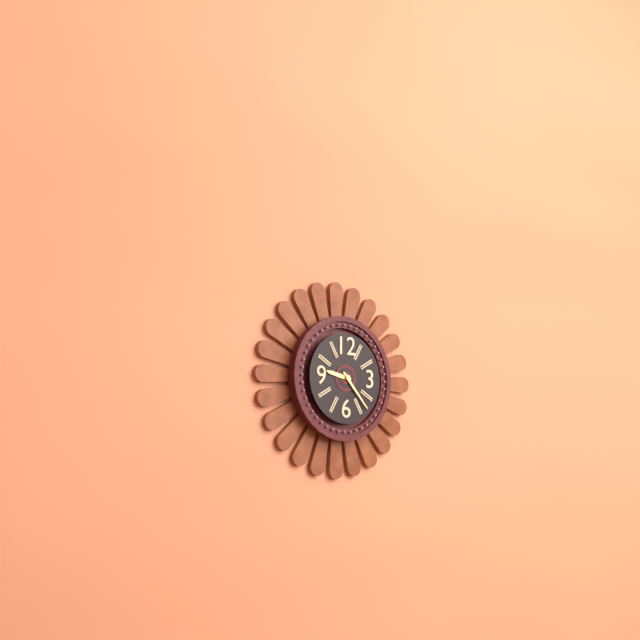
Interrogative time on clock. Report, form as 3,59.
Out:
9,23
